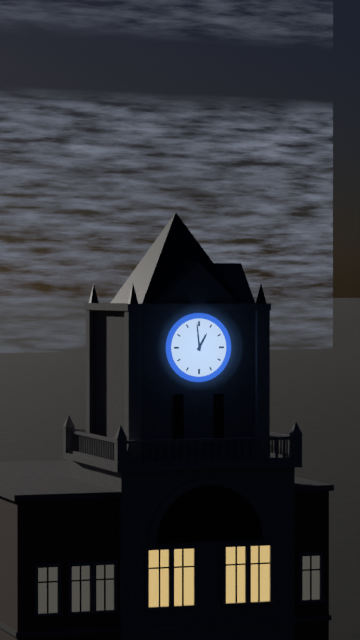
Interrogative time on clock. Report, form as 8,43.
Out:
12,59
